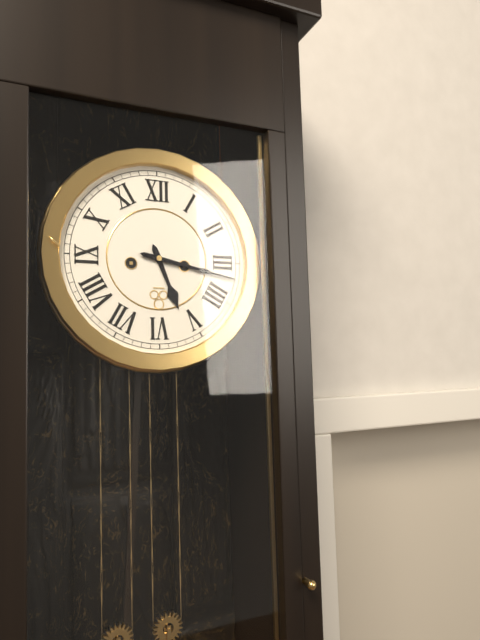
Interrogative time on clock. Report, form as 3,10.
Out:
5,17
